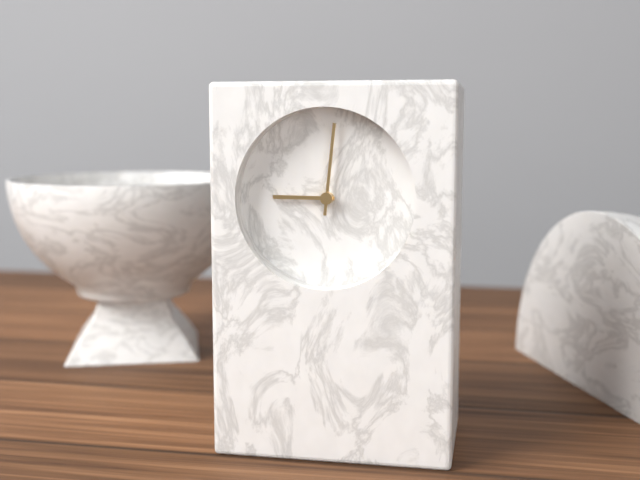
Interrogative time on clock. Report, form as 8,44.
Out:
9,01
